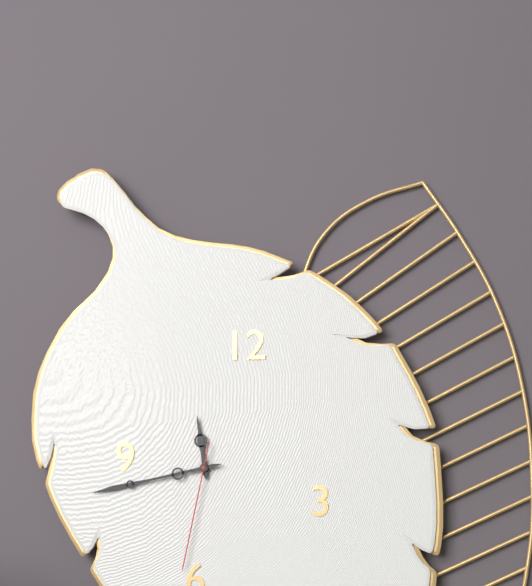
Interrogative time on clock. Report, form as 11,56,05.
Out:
11,43,32
